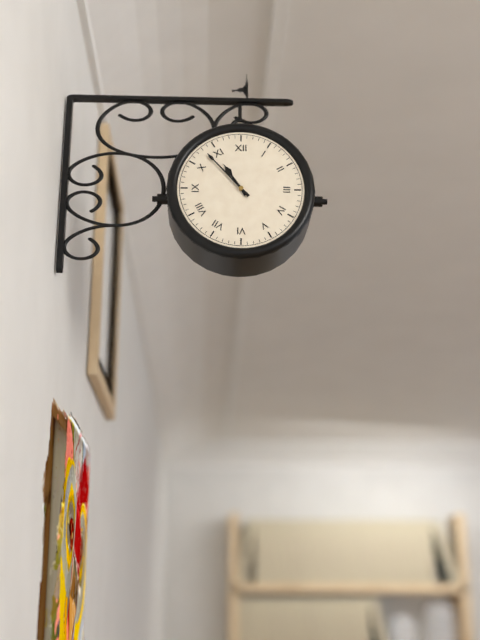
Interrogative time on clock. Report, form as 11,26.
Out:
10,53
